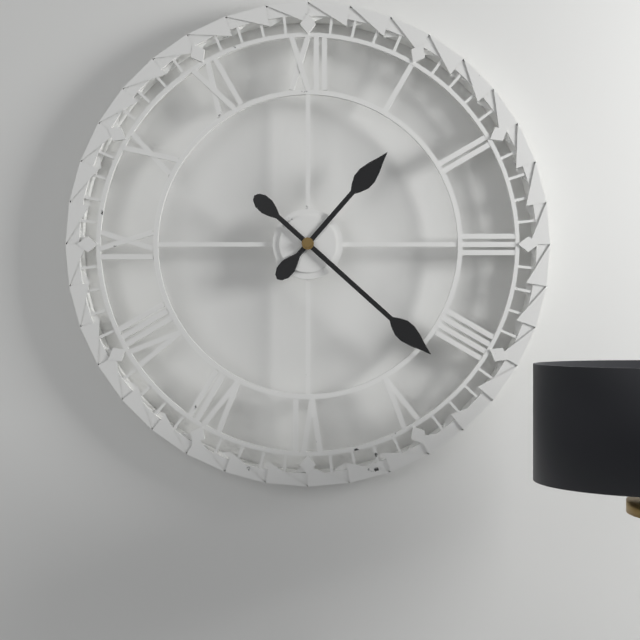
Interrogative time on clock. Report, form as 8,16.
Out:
1,22
